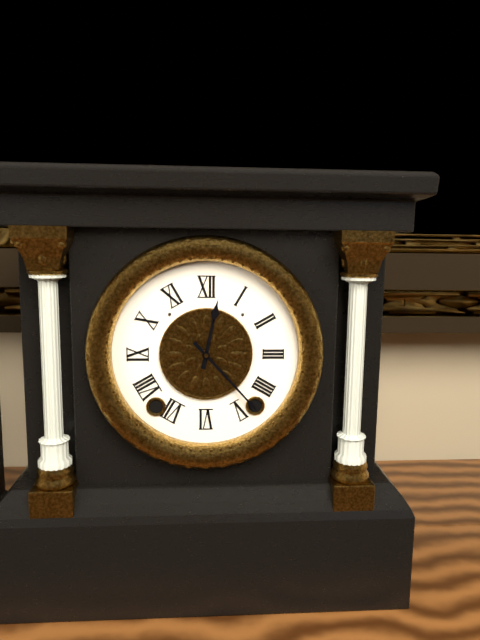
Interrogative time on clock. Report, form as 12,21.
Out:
12,23
